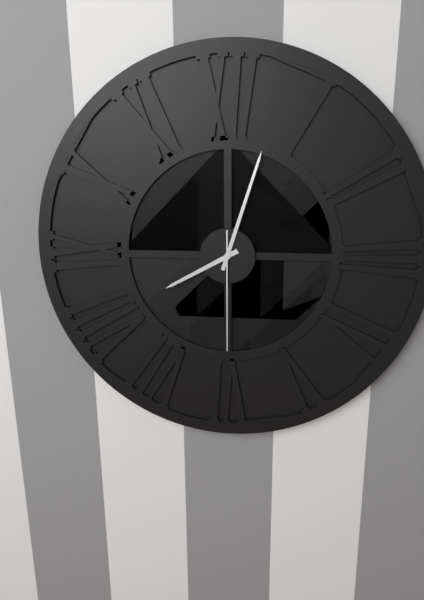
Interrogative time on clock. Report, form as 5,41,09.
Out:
8,03,30
